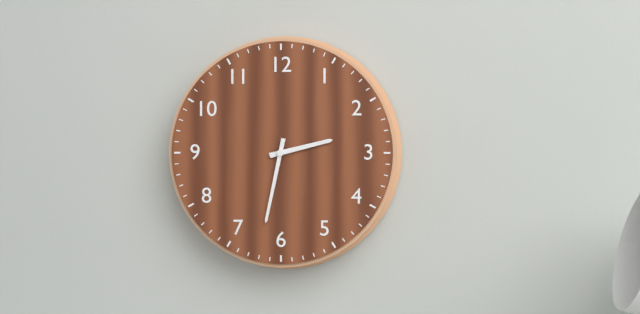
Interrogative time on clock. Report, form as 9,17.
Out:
2,32
